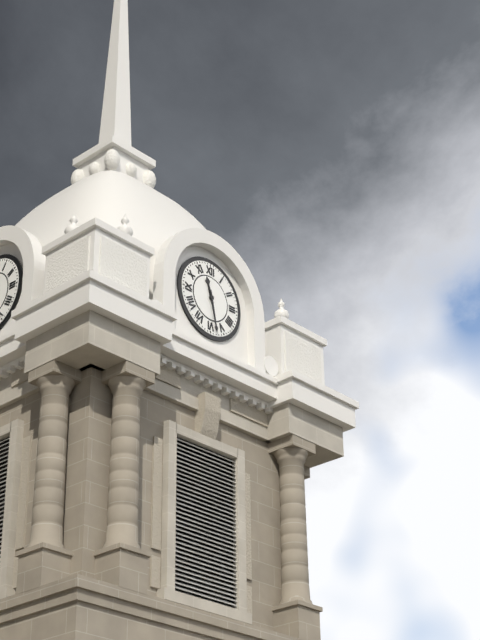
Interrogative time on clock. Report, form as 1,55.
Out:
11,28
